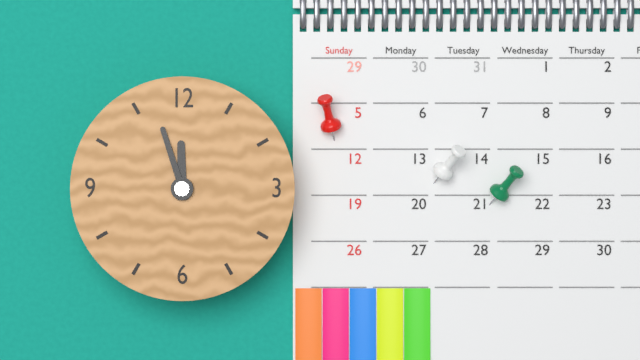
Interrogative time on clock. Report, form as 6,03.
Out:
11,57
